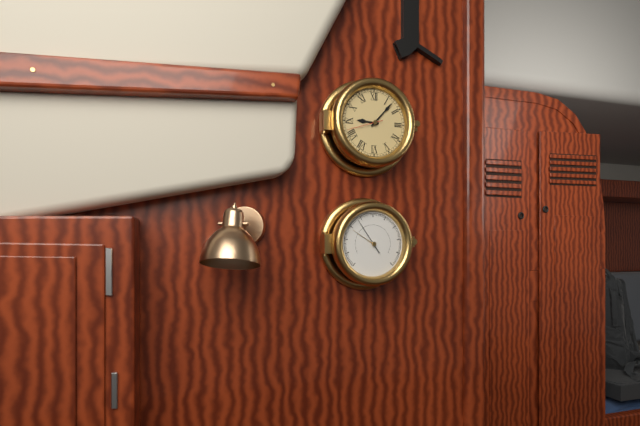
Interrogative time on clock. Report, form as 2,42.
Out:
9,07
